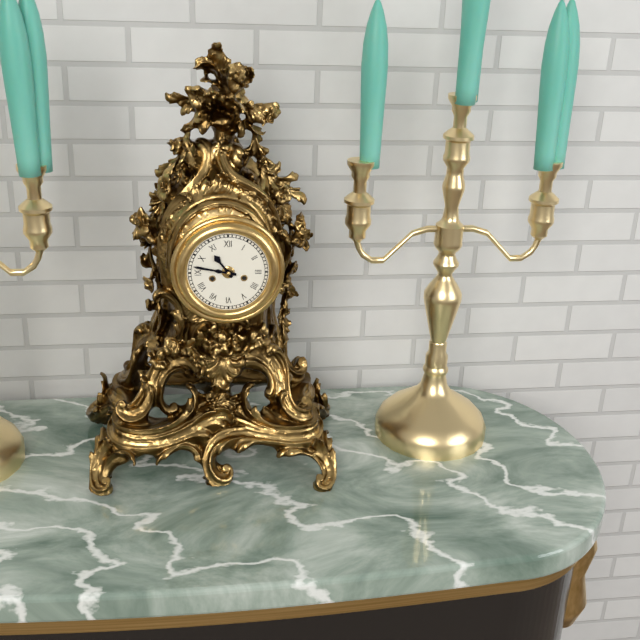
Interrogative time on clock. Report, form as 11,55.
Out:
10,47
